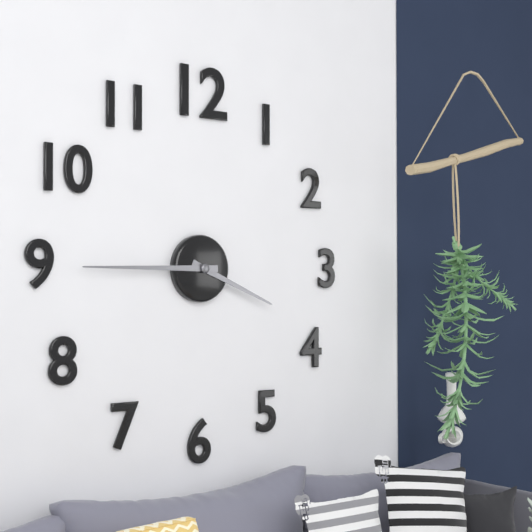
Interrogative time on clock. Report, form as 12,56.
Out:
3,45
